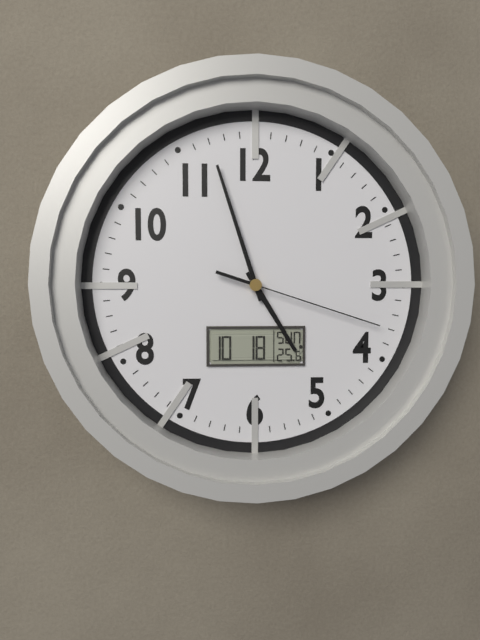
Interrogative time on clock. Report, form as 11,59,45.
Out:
4,57,18
